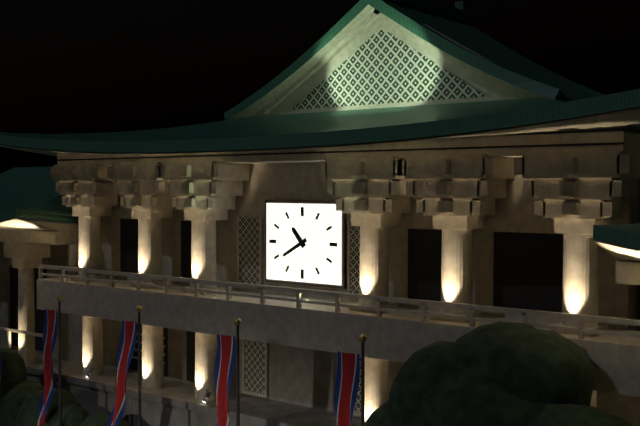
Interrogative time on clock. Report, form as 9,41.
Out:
10,40
